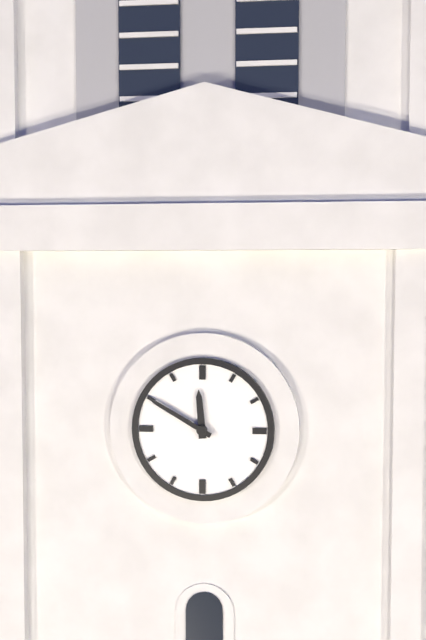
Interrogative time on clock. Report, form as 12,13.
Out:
11,50
